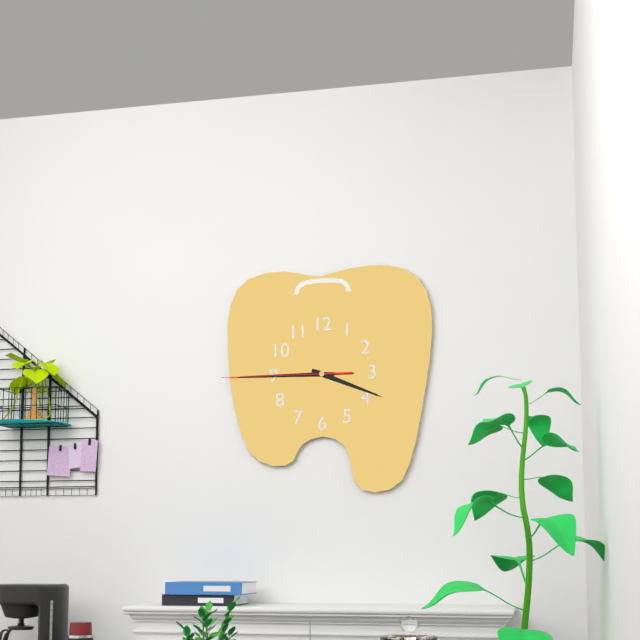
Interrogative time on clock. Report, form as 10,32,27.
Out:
3,45,45
